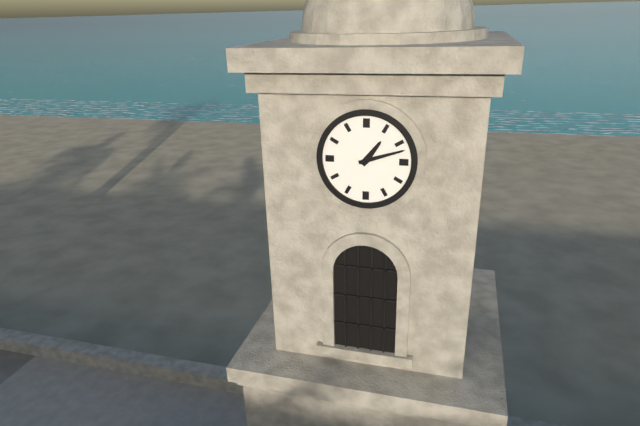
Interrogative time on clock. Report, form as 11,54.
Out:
1,12
